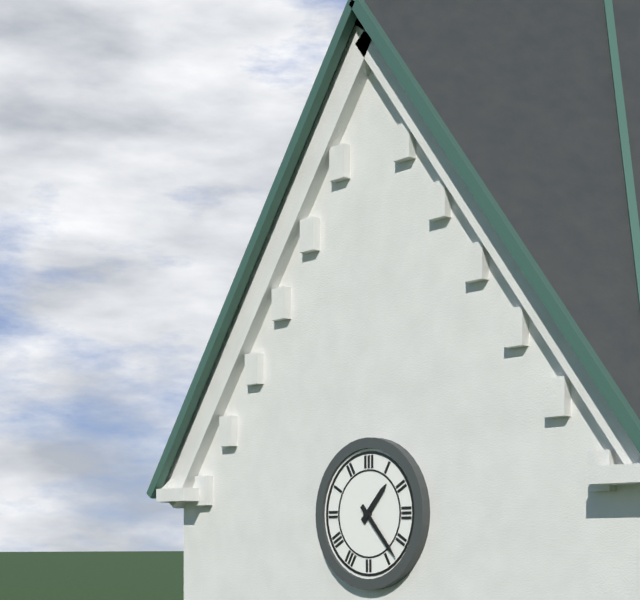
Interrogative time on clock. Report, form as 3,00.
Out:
1,23
